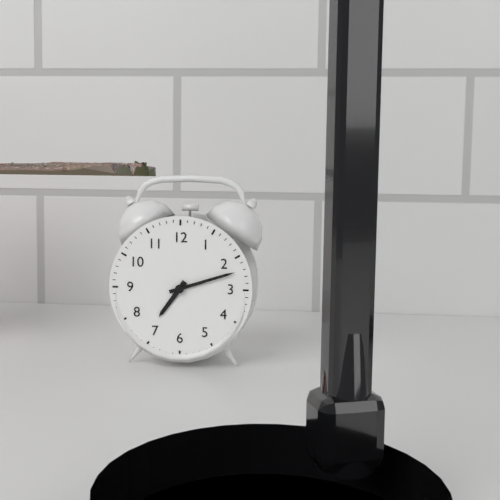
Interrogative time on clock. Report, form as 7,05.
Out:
7,12
